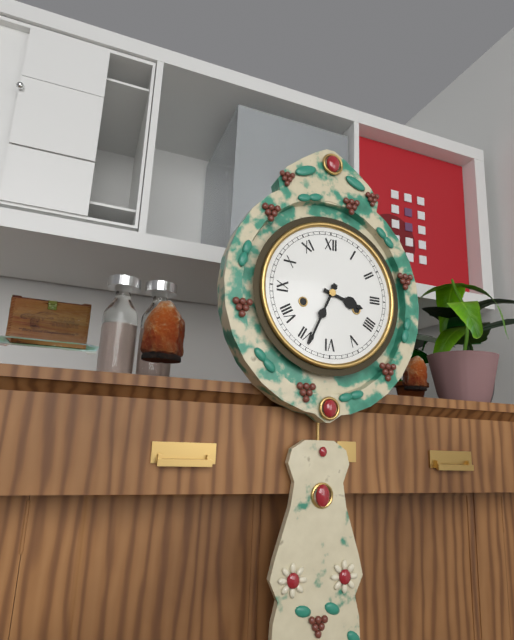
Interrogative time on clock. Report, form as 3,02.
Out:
3,34
